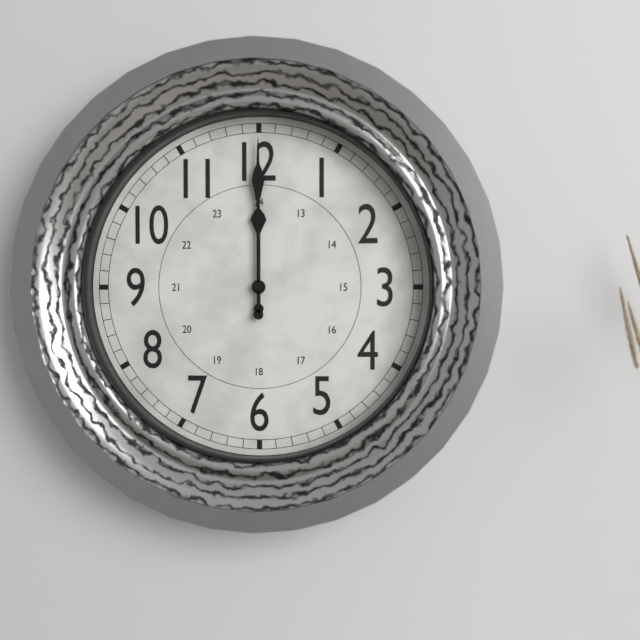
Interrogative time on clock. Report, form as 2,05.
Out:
12,00
